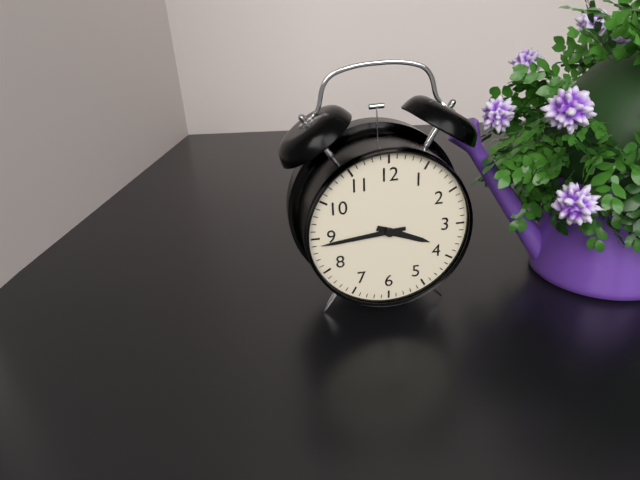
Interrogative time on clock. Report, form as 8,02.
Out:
3,44
